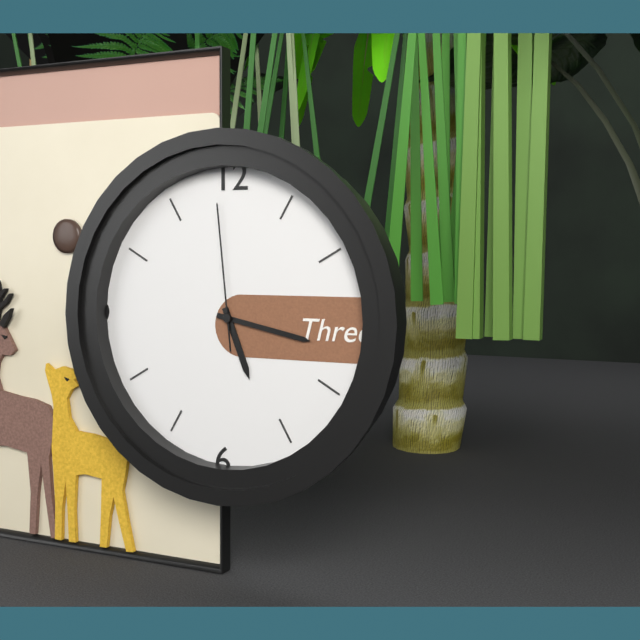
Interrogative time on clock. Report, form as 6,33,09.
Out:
5,17,59
